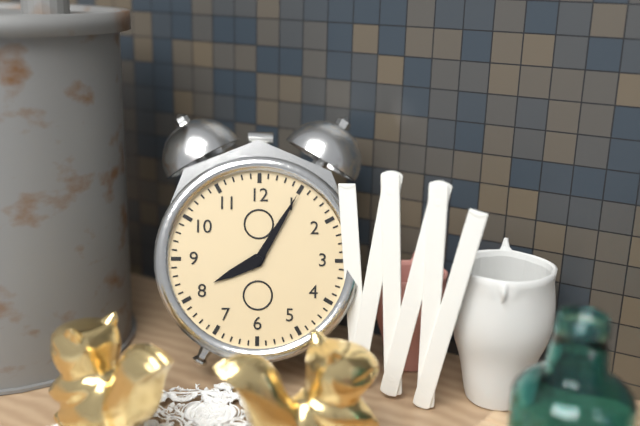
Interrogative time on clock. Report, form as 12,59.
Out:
8,05
